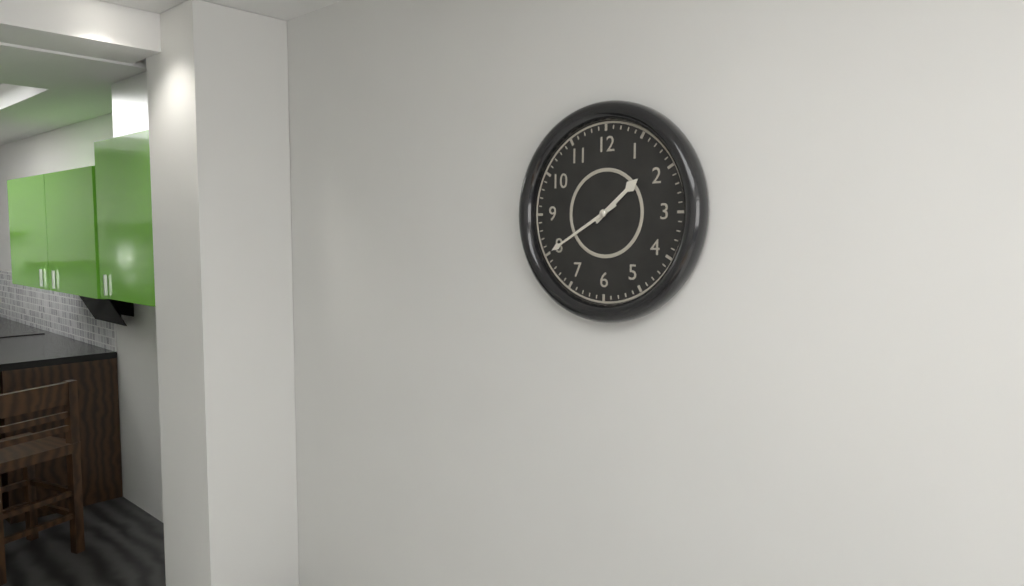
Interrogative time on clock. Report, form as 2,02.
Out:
1,40
